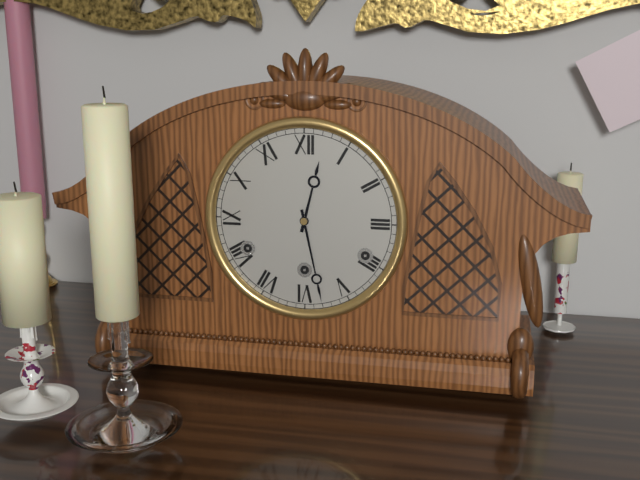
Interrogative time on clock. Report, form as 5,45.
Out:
12,28
